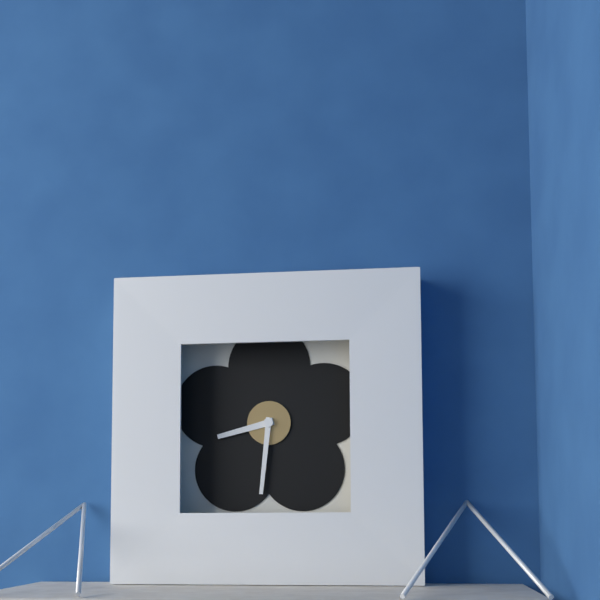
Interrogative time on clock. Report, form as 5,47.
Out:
8,31
